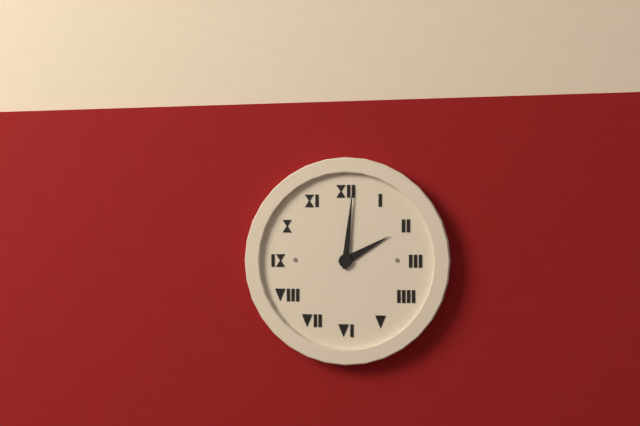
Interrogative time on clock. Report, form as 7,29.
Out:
2,01
